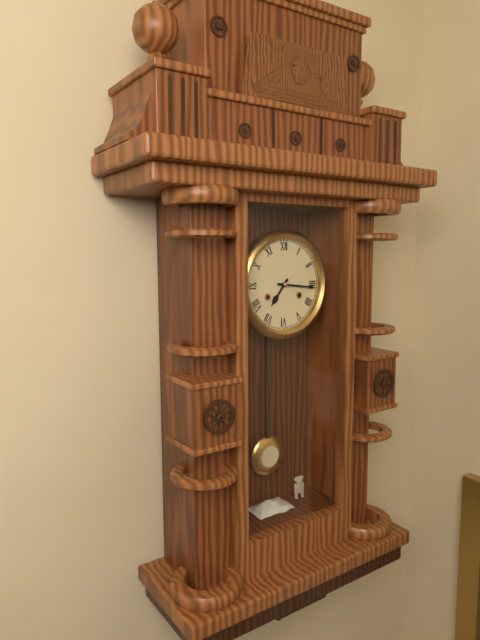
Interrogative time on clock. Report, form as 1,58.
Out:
7,16
